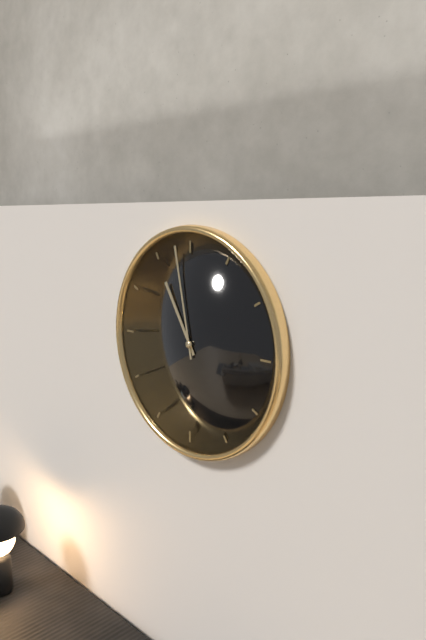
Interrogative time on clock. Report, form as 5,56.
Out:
10,58
